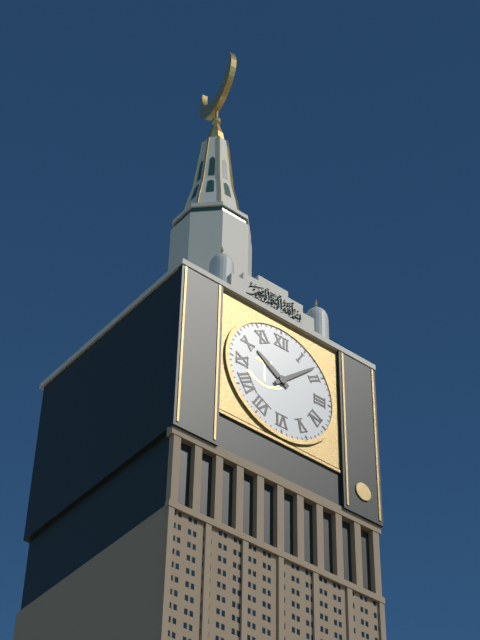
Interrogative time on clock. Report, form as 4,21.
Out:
10,08
